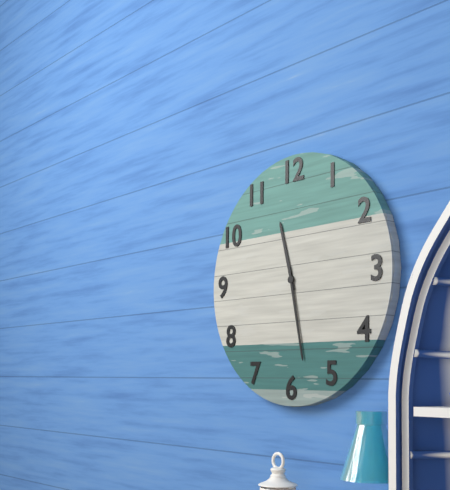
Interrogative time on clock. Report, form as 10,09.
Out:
11,28
